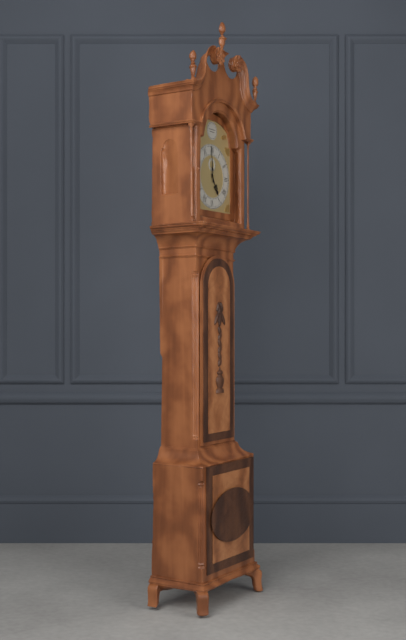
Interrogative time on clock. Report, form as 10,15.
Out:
4,59
